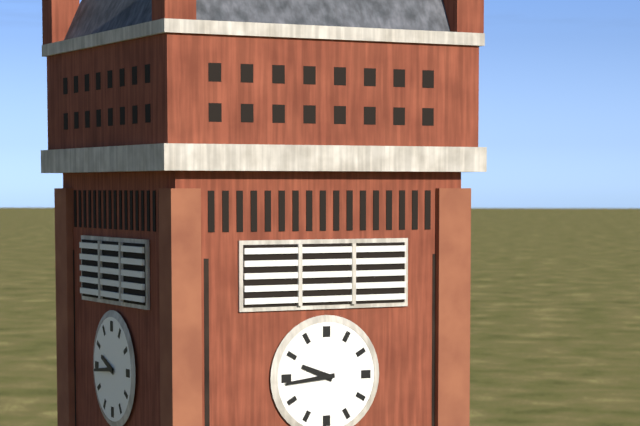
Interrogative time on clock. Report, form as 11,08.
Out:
9,44
